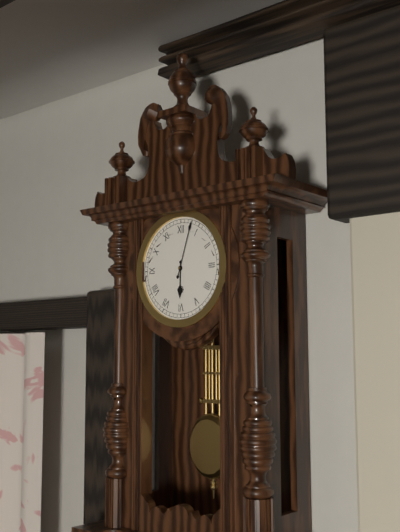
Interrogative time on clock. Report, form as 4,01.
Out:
6,03
